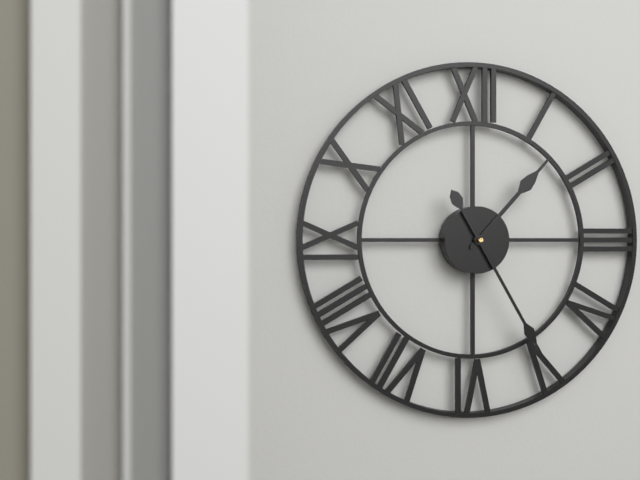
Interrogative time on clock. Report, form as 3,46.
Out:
1,25
